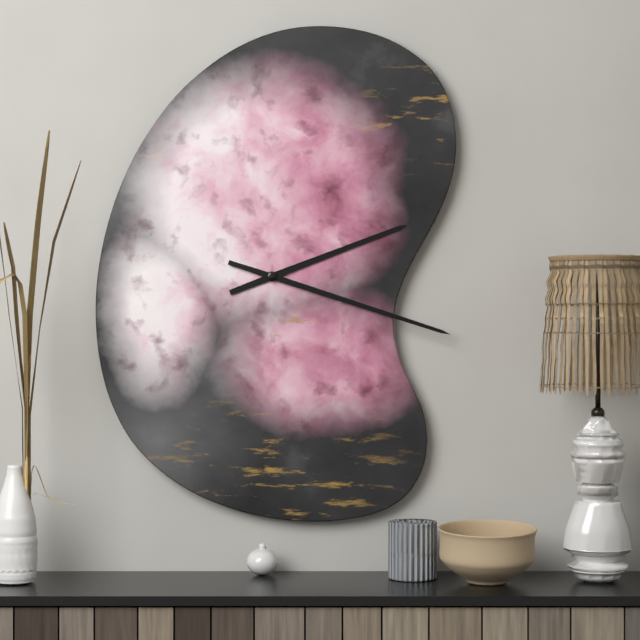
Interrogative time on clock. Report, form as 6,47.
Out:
2,18
